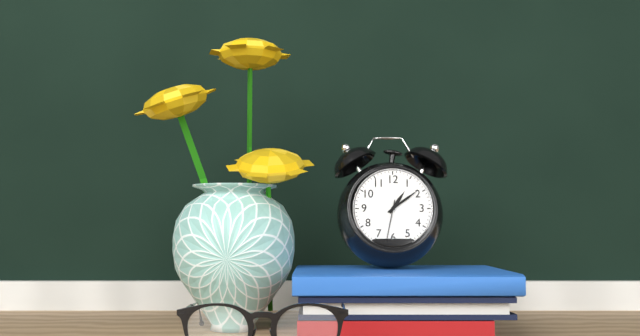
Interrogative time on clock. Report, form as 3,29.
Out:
1,09
